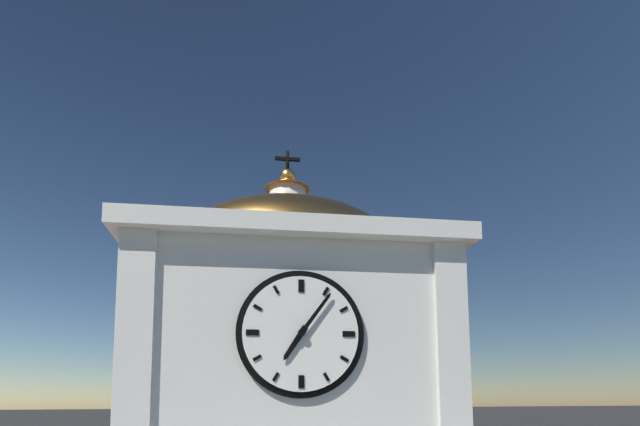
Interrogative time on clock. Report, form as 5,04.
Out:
7,06
